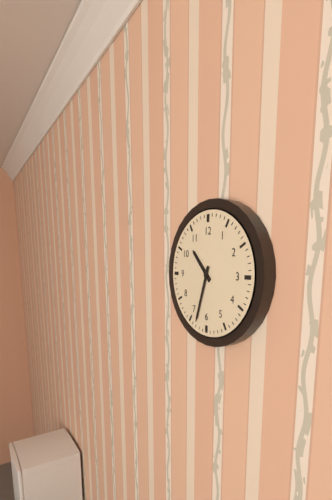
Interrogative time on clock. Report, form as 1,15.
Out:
10,33
